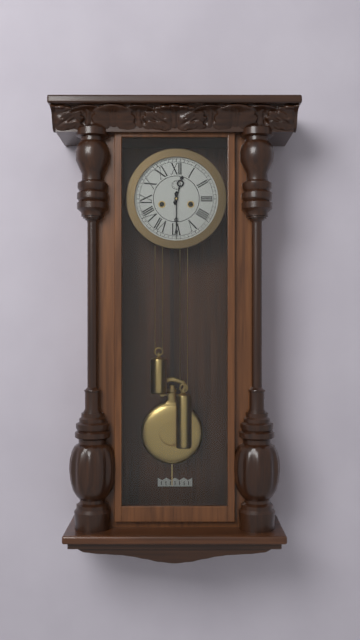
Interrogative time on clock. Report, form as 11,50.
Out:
12,30
